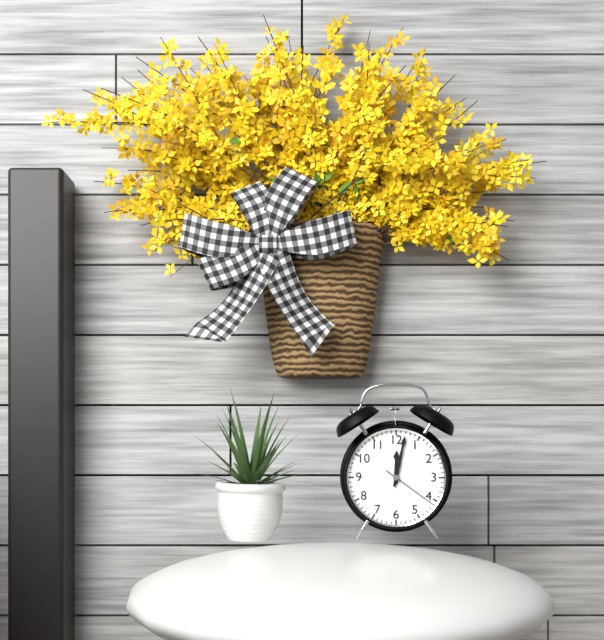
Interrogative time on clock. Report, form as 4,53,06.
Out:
12,02,21
